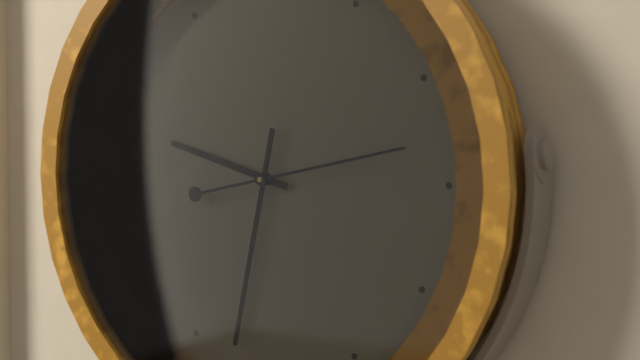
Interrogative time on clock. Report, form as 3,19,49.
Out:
9,32,13
